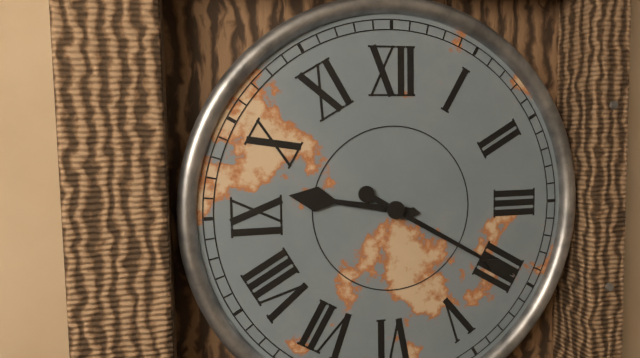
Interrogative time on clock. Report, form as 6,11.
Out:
9,20
